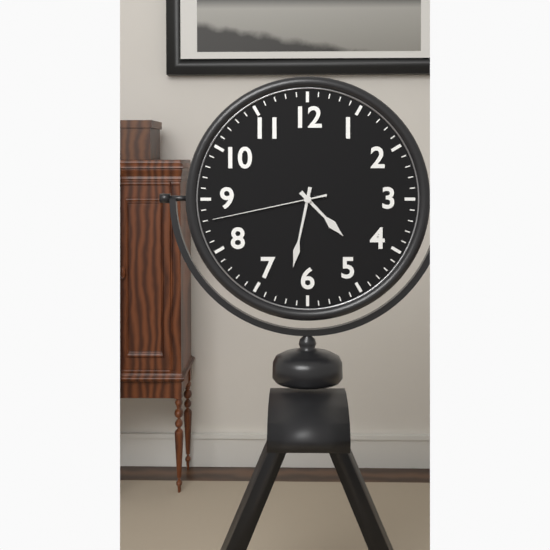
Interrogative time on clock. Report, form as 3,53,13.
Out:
4,32,43
